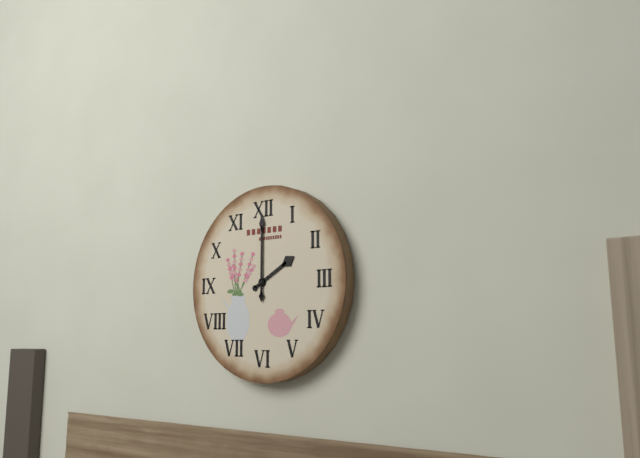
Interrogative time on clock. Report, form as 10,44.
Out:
2,00
